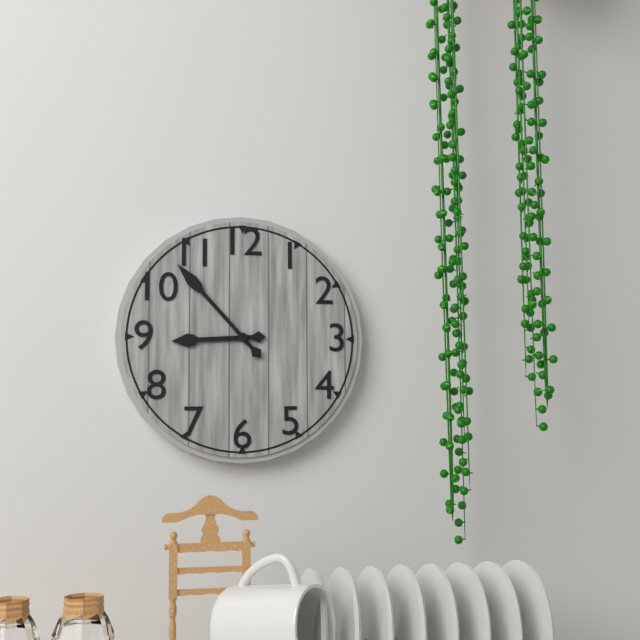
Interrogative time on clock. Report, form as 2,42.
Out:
8,53
